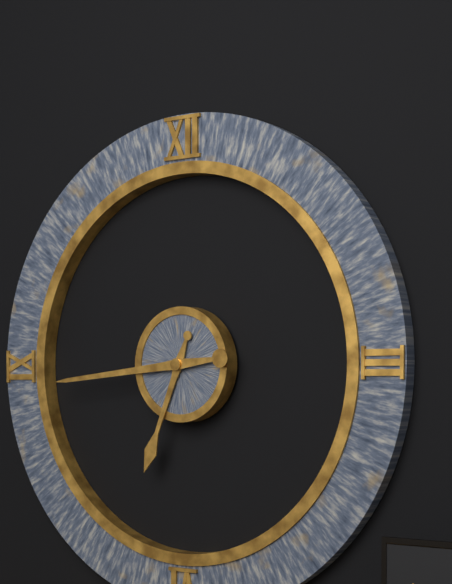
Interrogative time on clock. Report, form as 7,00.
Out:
6,44
